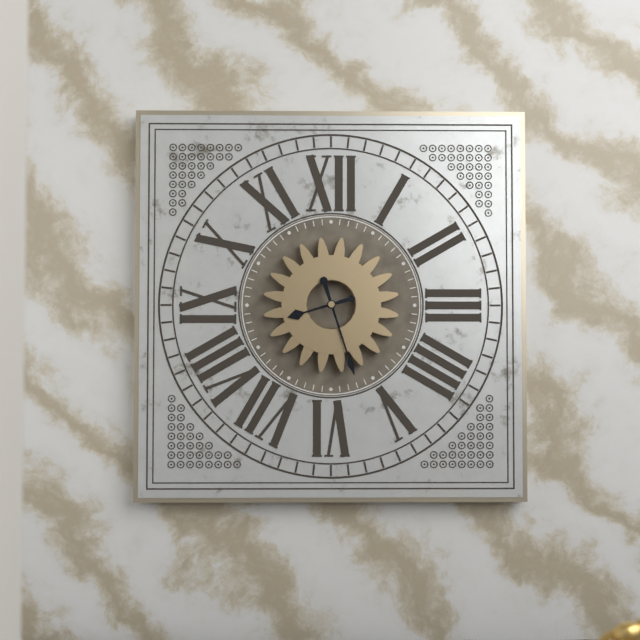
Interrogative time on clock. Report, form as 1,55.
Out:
8,27
